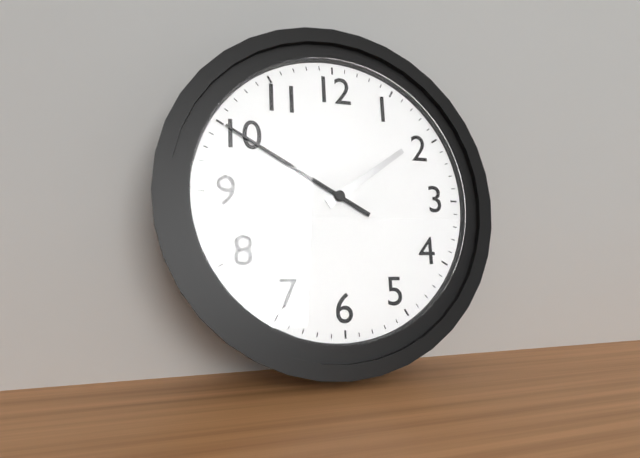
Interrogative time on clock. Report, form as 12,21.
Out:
1,50
